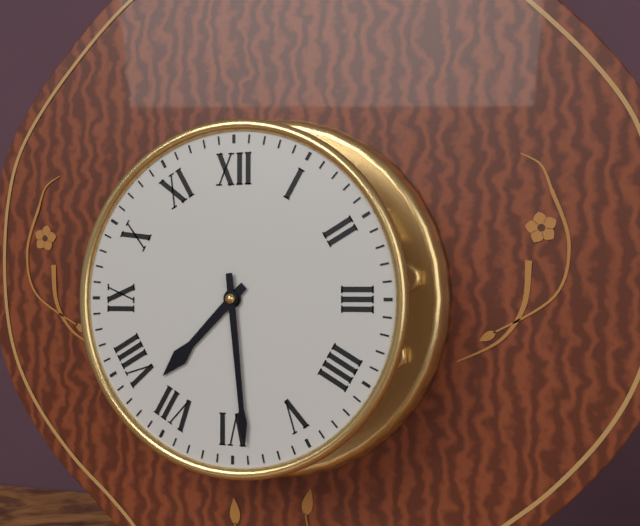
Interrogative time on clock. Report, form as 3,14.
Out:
7,29
